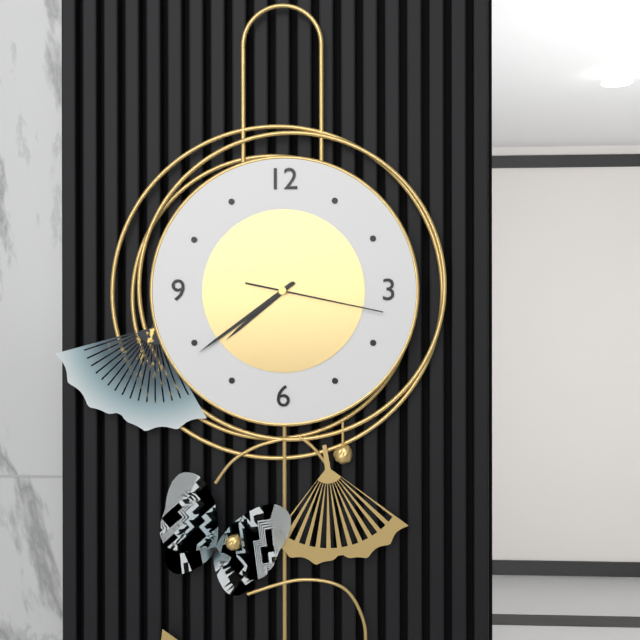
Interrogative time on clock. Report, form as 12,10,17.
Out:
7,39,17
